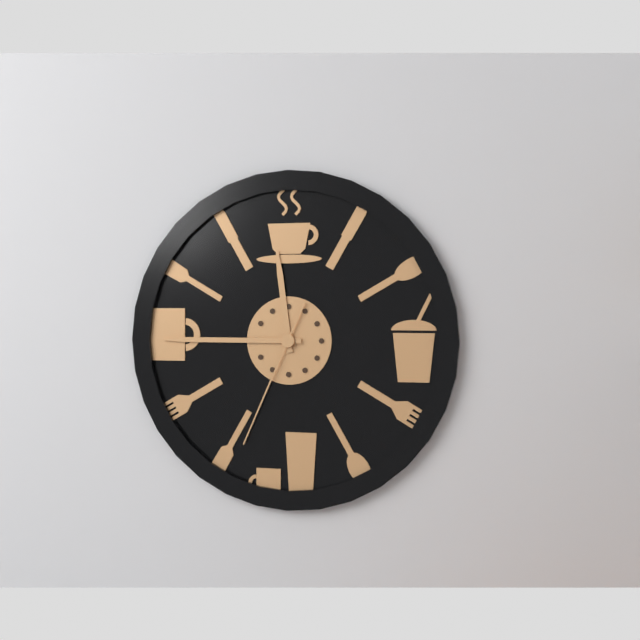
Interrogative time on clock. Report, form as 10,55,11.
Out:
11,45,34
